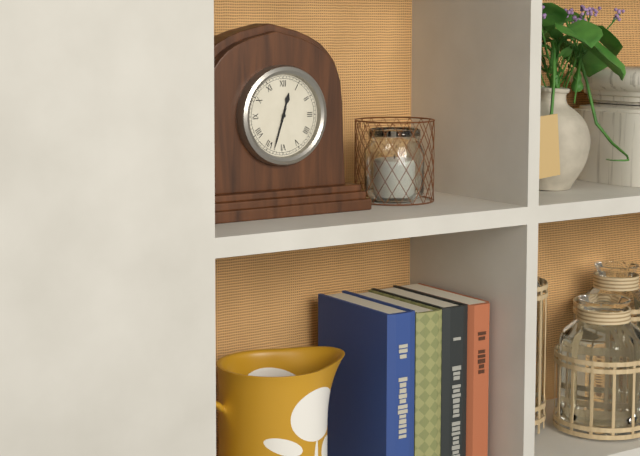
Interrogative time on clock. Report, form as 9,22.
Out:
12,33
